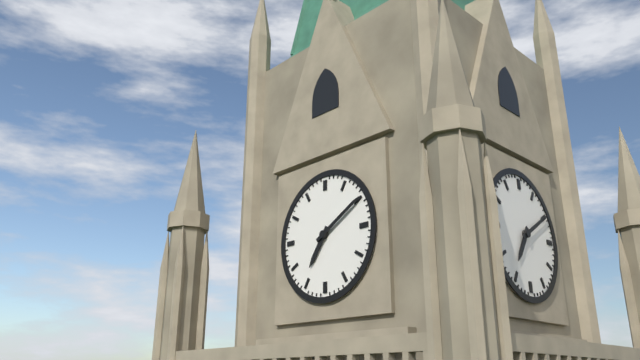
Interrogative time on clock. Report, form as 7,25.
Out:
7,10
